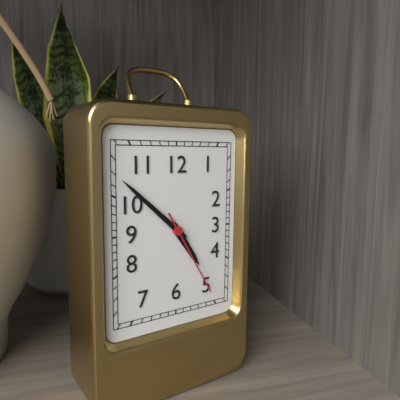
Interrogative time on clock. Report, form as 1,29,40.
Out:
4,52,25
